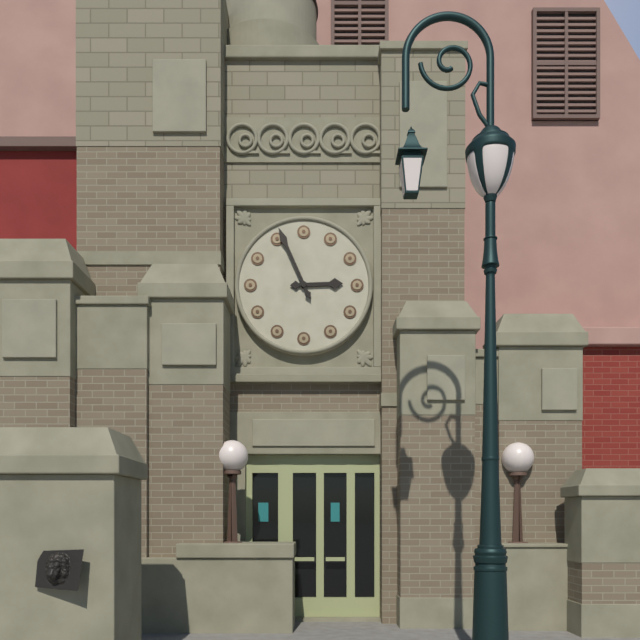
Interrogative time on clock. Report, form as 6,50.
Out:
2,56
